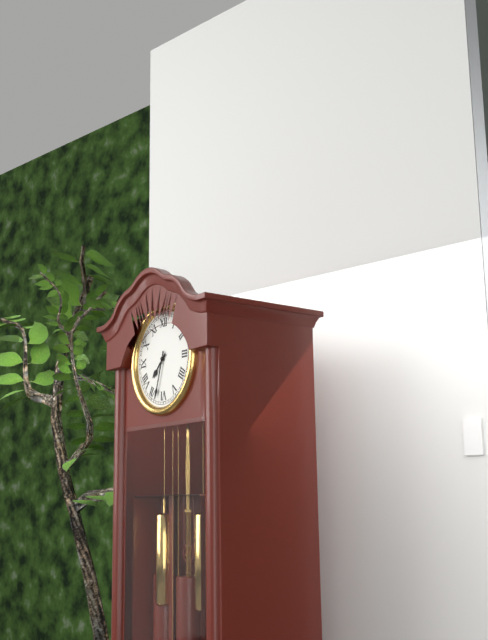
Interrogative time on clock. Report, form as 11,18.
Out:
7,33
